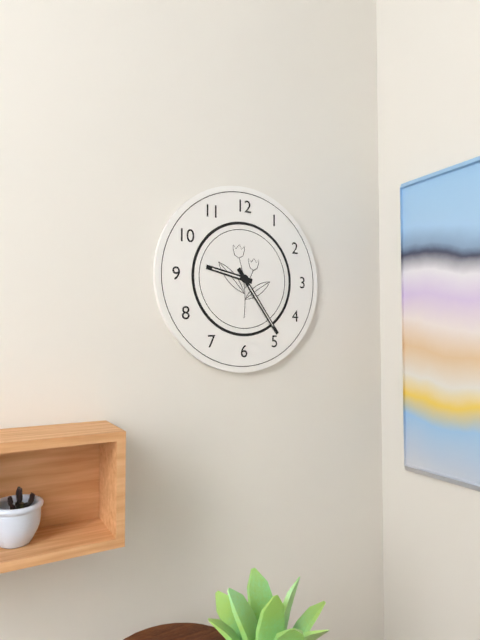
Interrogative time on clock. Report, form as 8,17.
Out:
9,24
